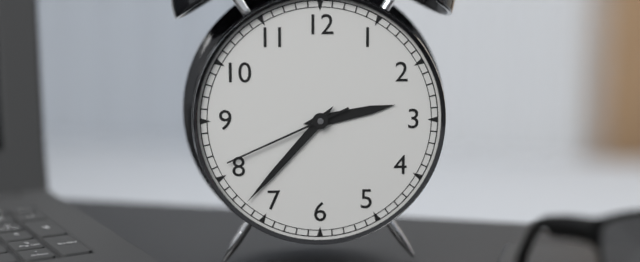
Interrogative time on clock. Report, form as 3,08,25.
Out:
2,37,41
